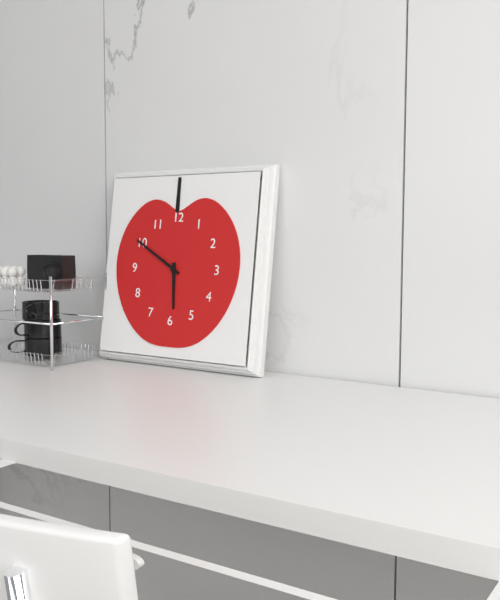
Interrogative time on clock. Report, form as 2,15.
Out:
5,50
